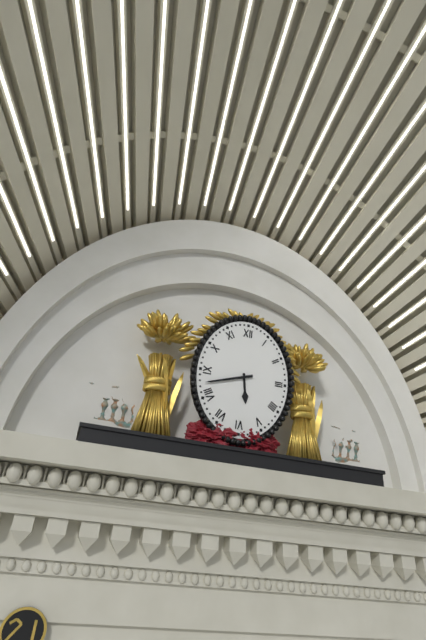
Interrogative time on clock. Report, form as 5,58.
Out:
5,42
